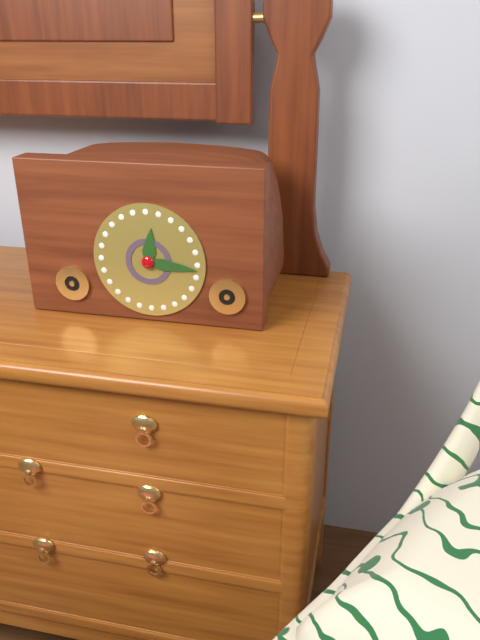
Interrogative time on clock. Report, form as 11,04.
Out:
12,16
